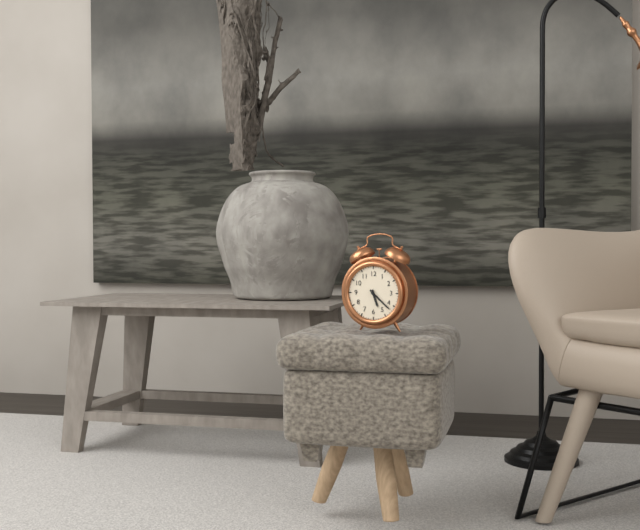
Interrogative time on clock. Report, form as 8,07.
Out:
5,22
